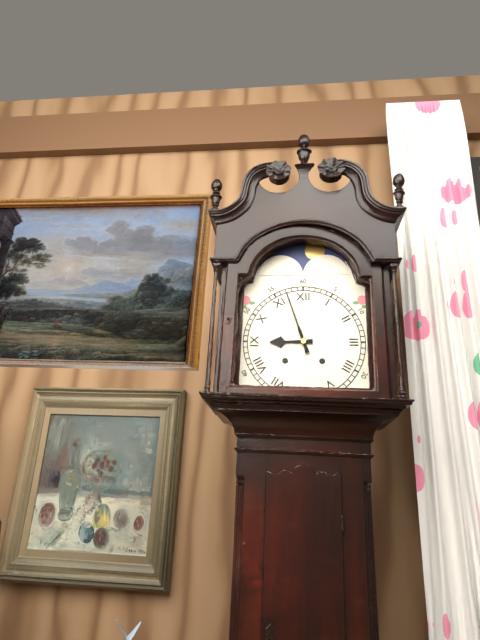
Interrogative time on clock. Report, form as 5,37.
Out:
8,57
